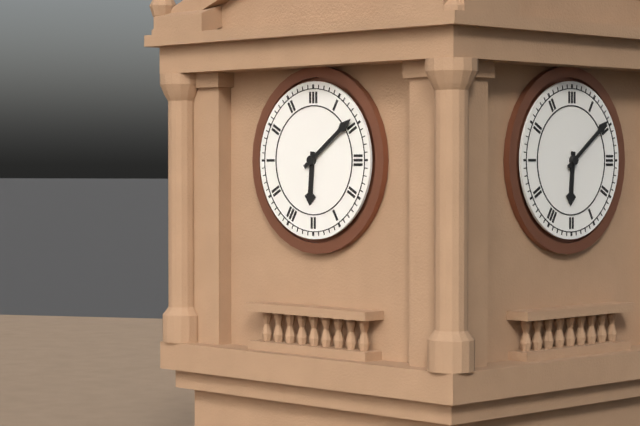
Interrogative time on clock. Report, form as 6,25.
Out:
6,09
